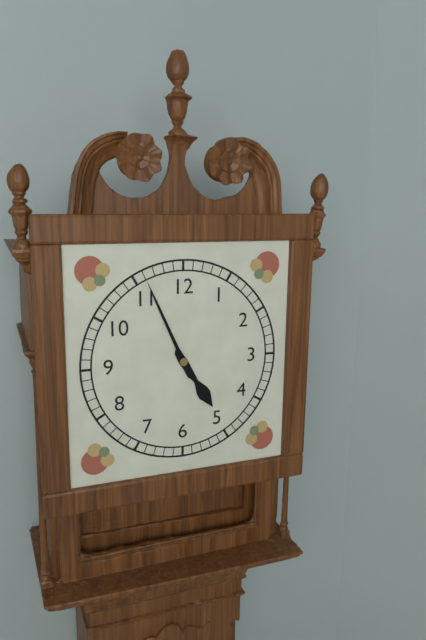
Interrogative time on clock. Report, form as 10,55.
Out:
4,56
